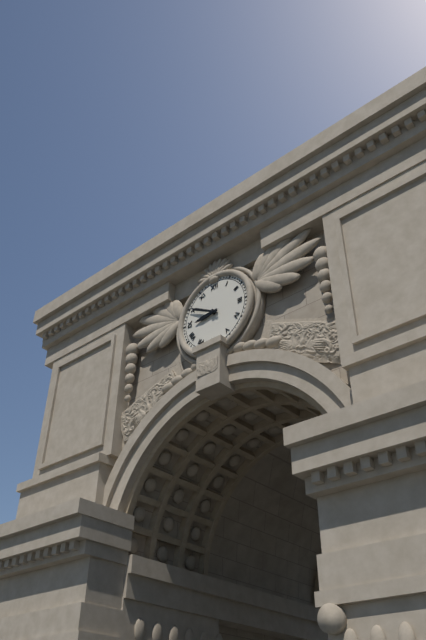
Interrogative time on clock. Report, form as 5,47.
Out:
8,50
